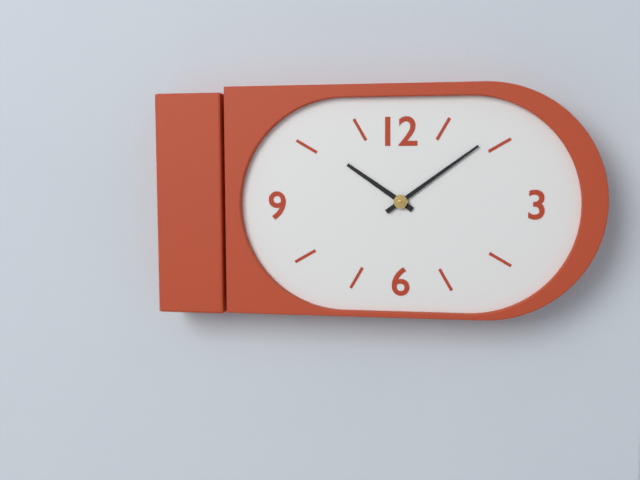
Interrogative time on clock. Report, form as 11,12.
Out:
10,09
